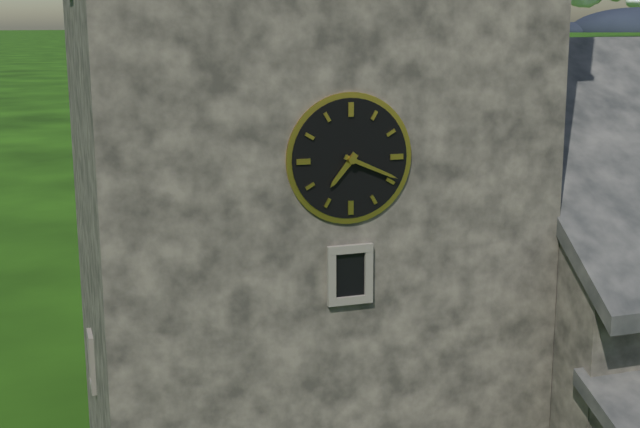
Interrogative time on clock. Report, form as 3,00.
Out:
7,19
